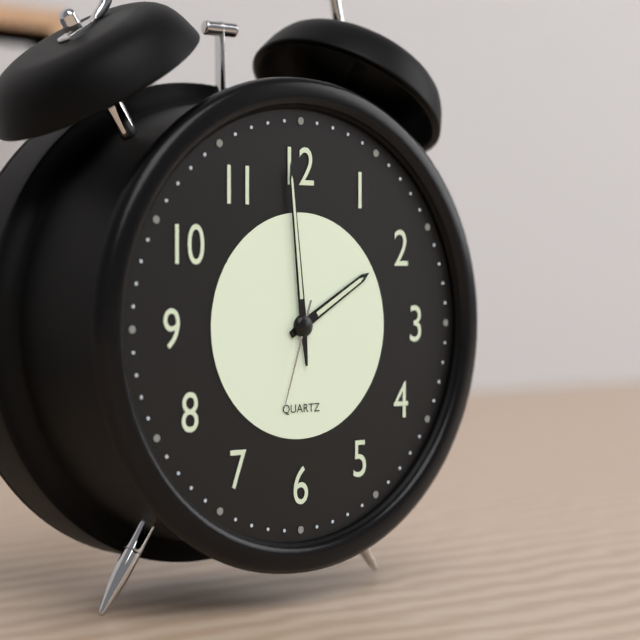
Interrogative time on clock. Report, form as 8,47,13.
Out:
1,59,33
